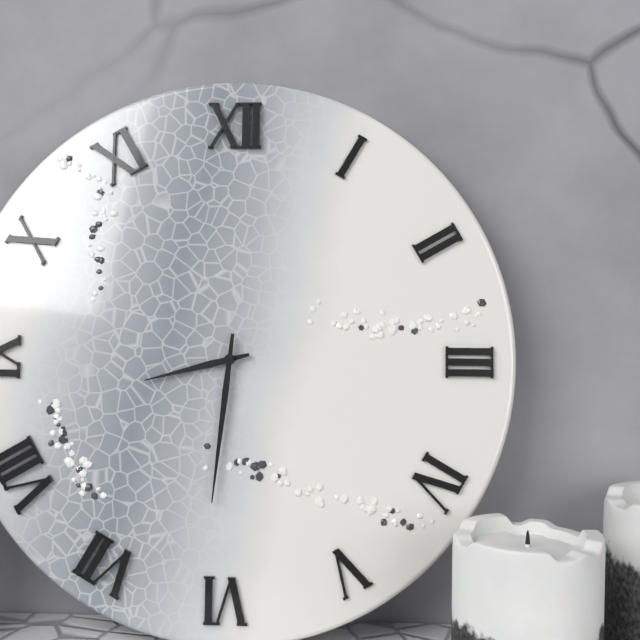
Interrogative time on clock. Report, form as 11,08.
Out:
8,31
